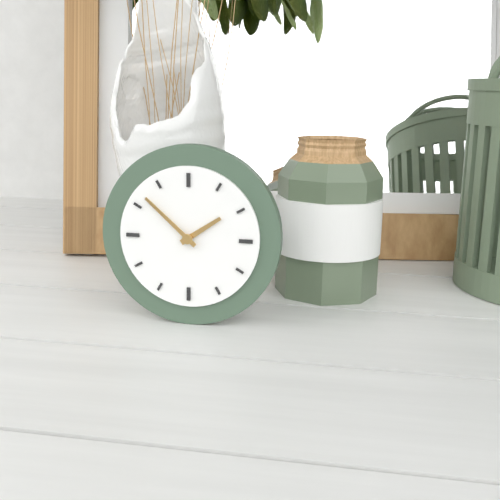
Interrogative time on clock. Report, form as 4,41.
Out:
1,52
